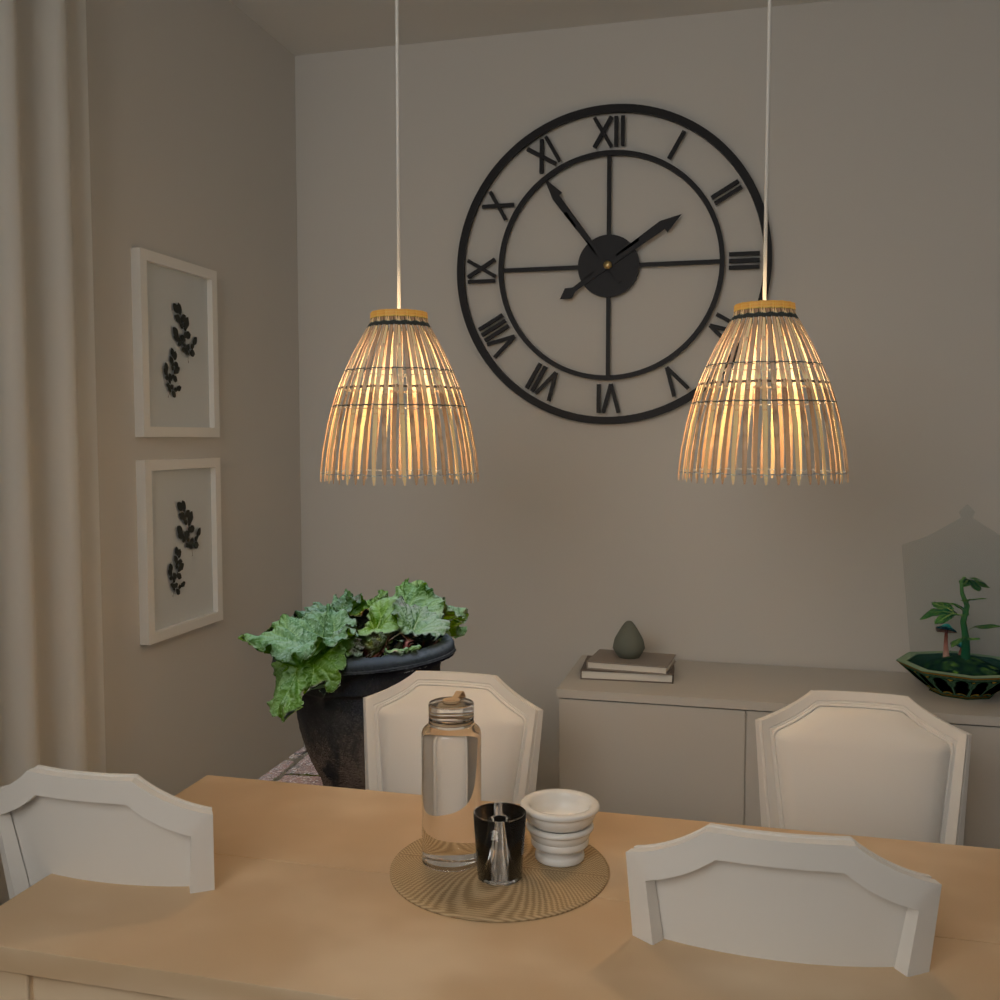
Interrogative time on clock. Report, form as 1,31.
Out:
1,54
